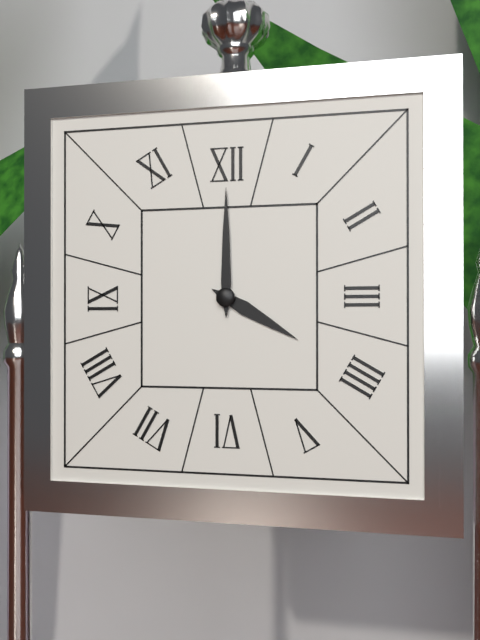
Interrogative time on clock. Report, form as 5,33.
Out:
4,00
